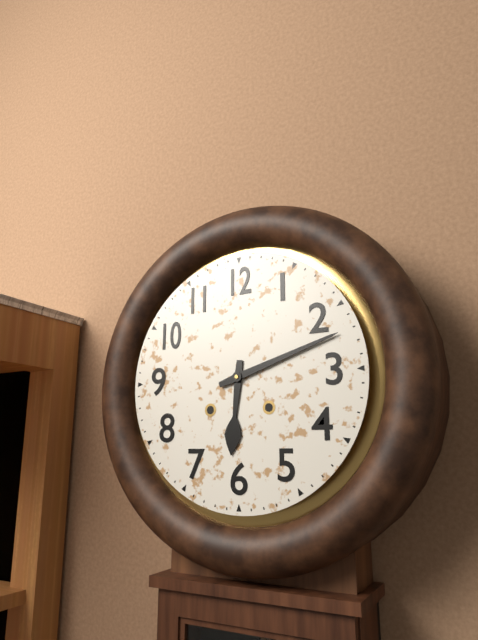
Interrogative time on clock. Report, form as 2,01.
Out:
6,12
